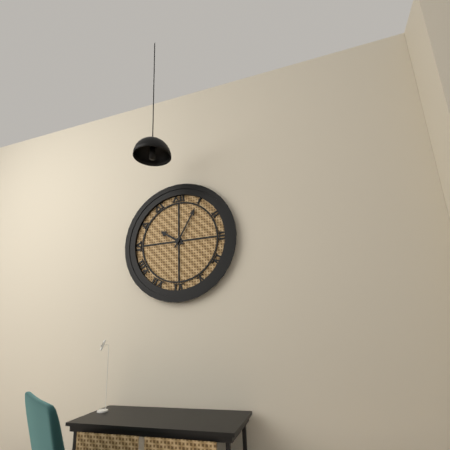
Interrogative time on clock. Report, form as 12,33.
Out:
10,05
